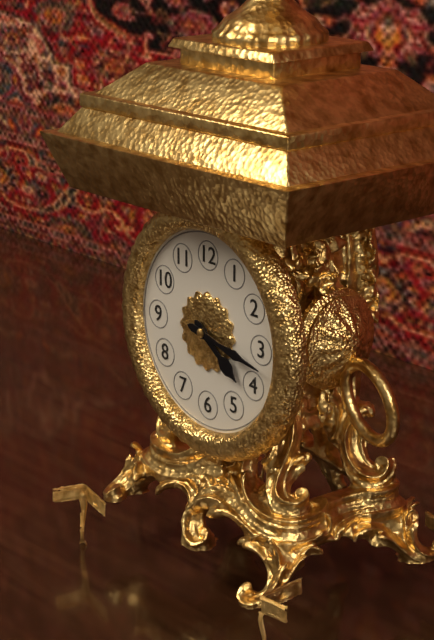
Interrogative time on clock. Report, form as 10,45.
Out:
4,17
